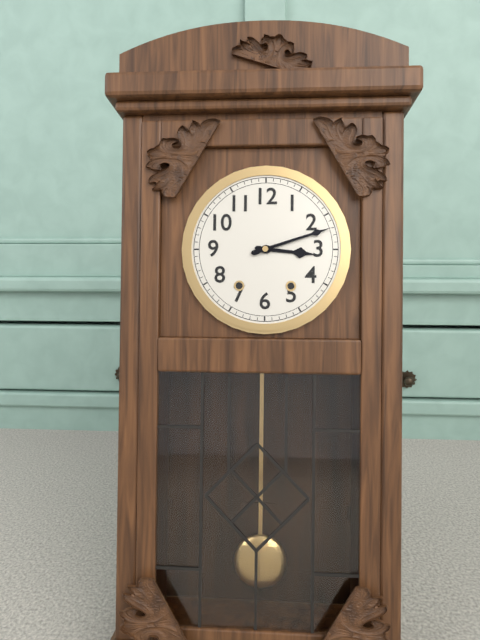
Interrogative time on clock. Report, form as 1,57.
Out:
3,12
